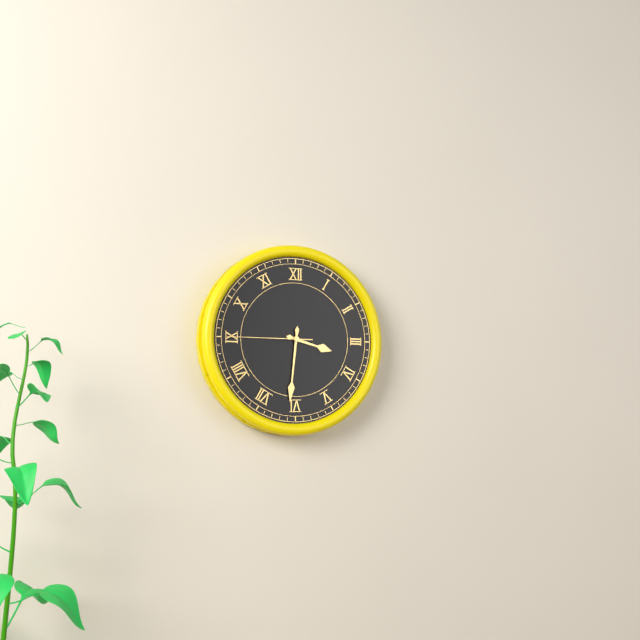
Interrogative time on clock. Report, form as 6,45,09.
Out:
3,31,45
